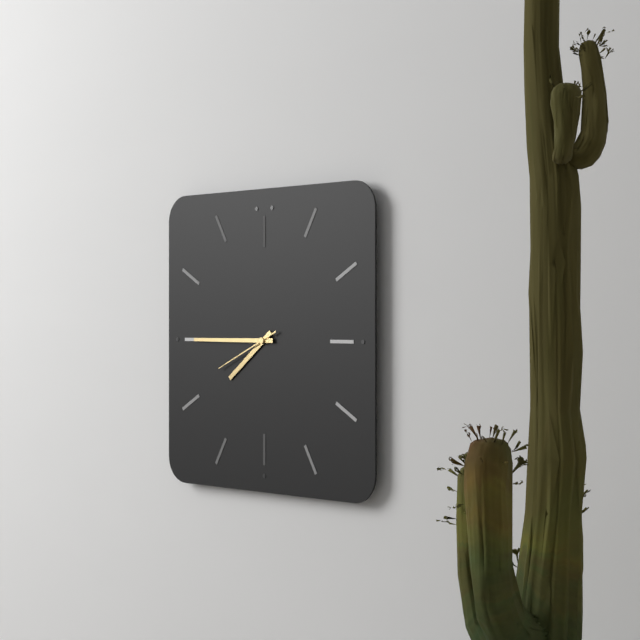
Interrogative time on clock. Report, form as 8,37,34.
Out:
7,45,41
